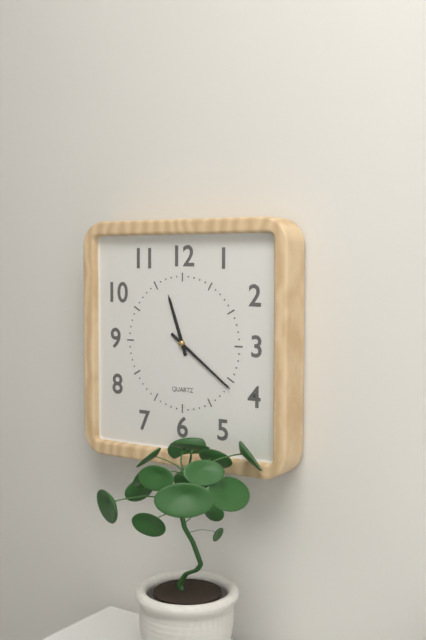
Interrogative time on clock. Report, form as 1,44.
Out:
11,21
